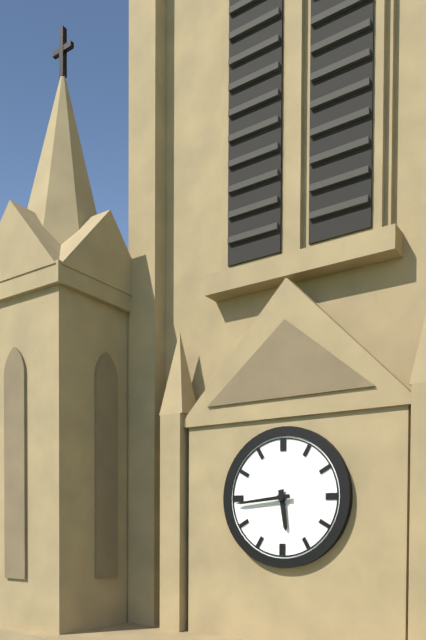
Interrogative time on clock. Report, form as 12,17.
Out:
5,44
